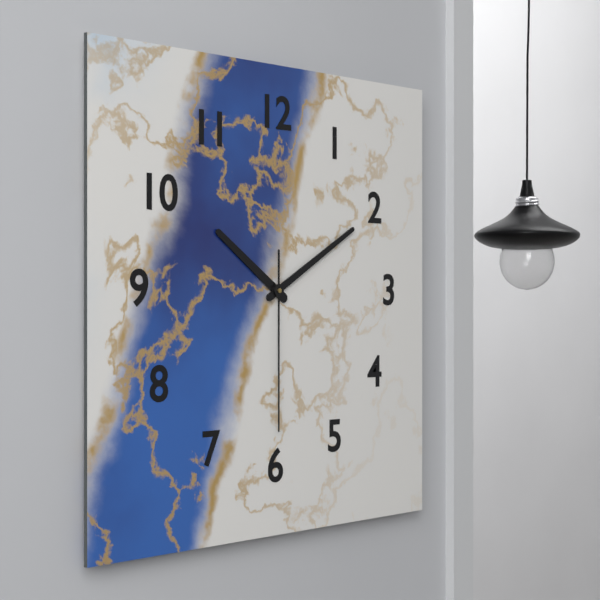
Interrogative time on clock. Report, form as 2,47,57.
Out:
10,10,30
